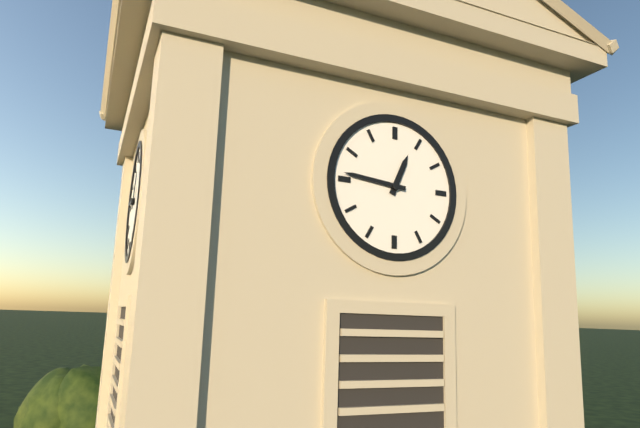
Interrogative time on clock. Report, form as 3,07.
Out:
12,46
